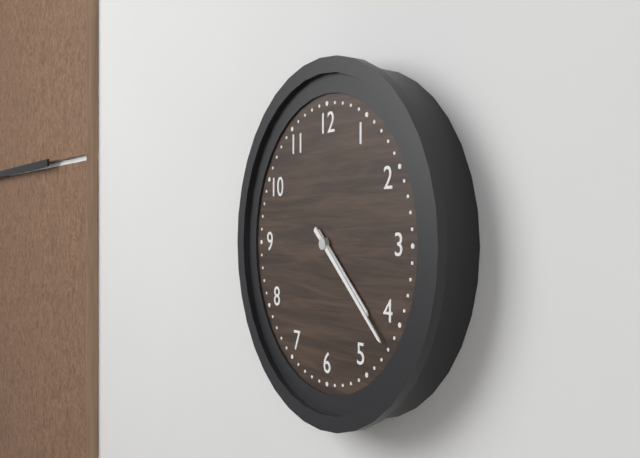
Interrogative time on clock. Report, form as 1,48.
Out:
4,22
